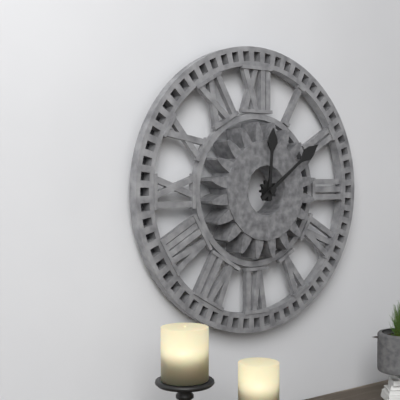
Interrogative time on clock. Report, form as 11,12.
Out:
12,09
